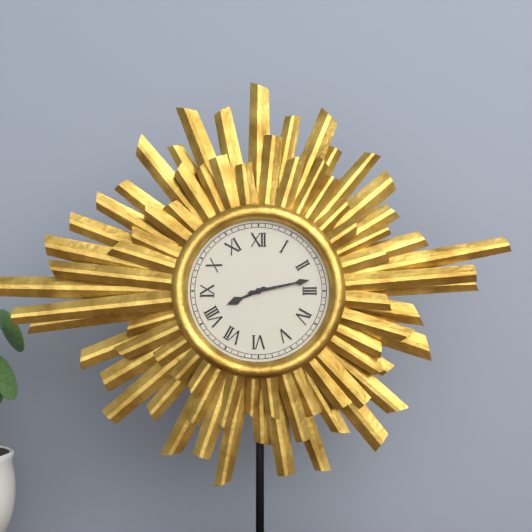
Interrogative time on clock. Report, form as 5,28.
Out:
8,13
